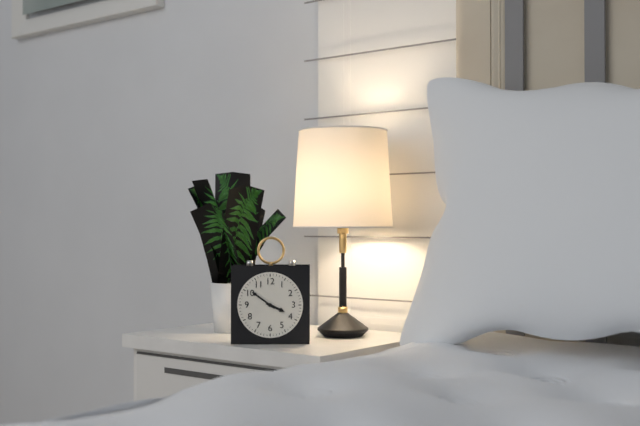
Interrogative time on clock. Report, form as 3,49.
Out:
3,51
